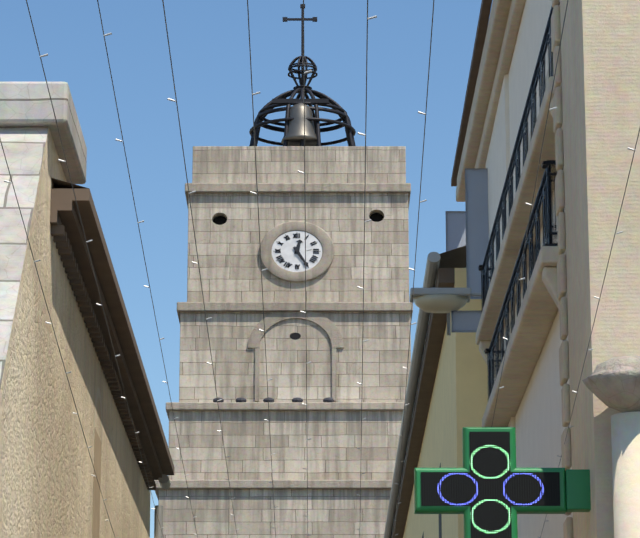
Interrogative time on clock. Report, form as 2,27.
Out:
12,25
